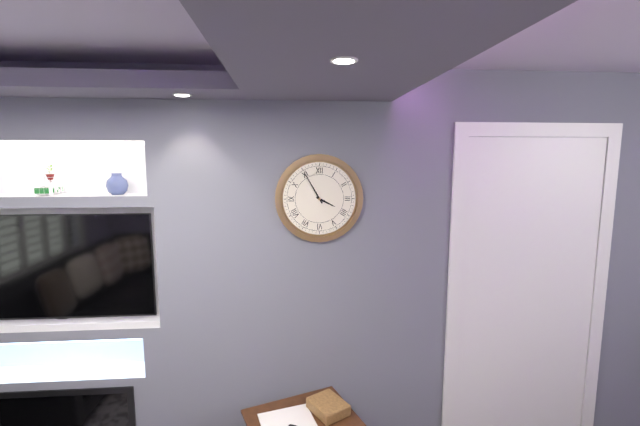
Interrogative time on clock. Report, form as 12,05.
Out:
3,55
